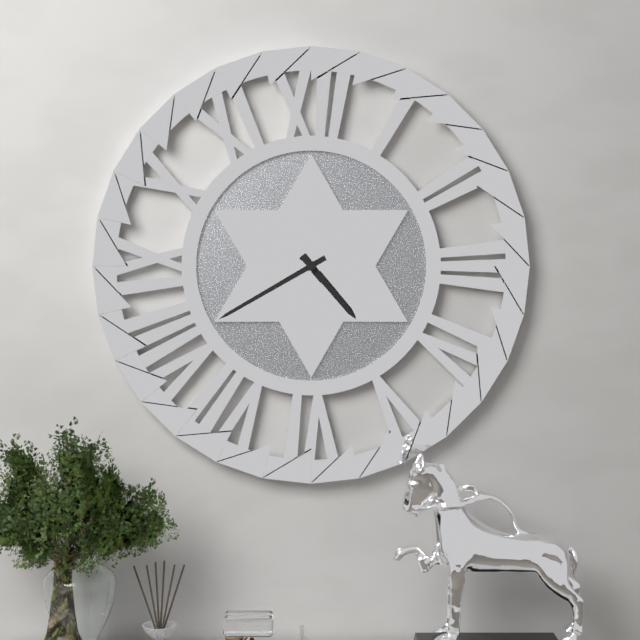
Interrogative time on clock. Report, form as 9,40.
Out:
4,40
